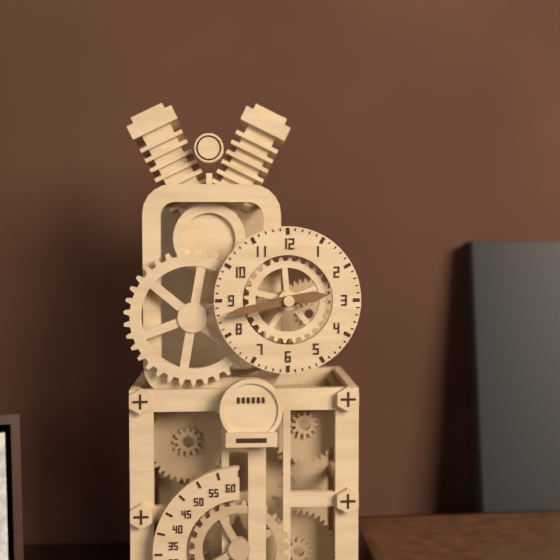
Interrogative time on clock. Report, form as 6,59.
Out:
2,43
